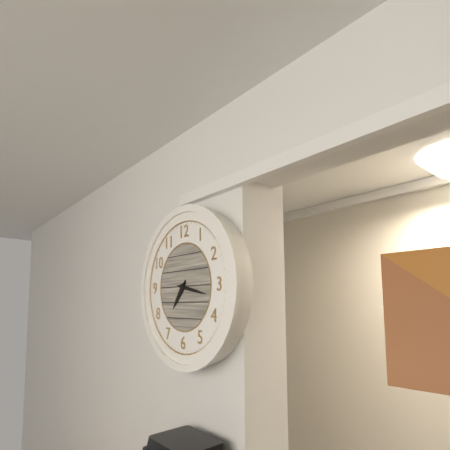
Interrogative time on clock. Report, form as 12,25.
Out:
7,17
